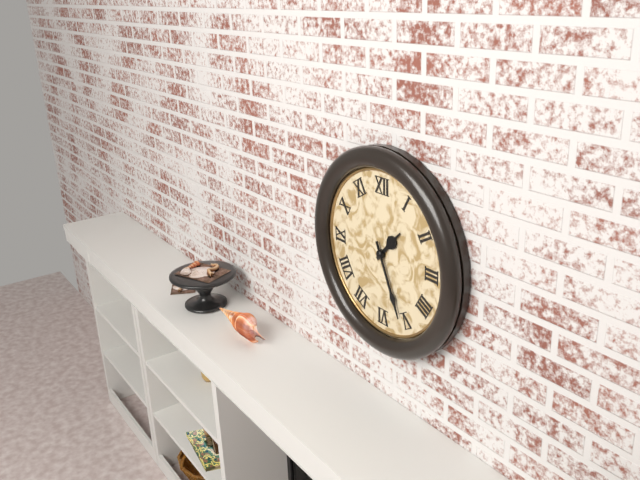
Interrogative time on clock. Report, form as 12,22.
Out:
1,26
